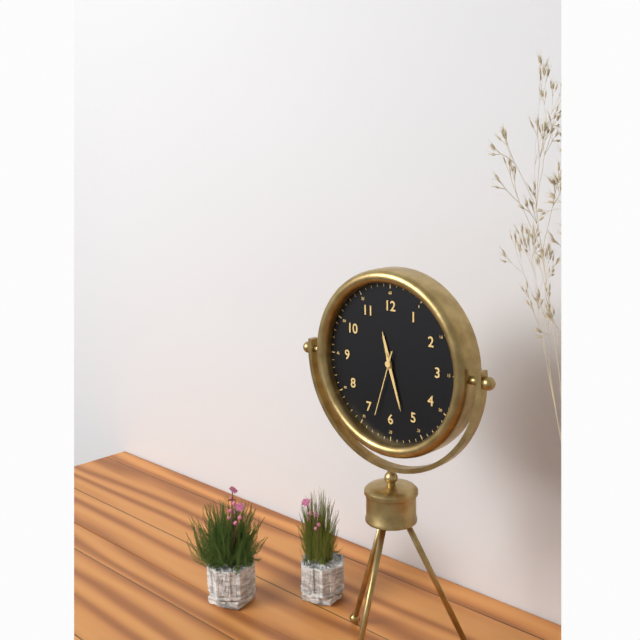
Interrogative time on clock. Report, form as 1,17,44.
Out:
11,27,33
